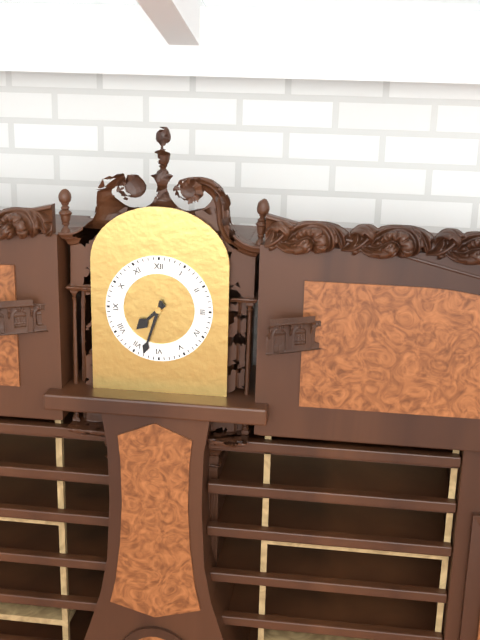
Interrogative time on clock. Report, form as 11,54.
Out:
7,33
